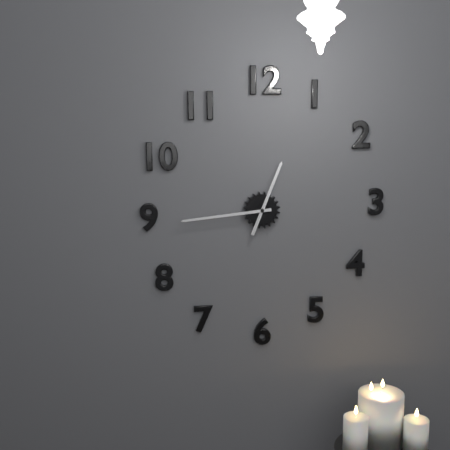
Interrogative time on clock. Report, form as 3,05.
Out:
12,44
